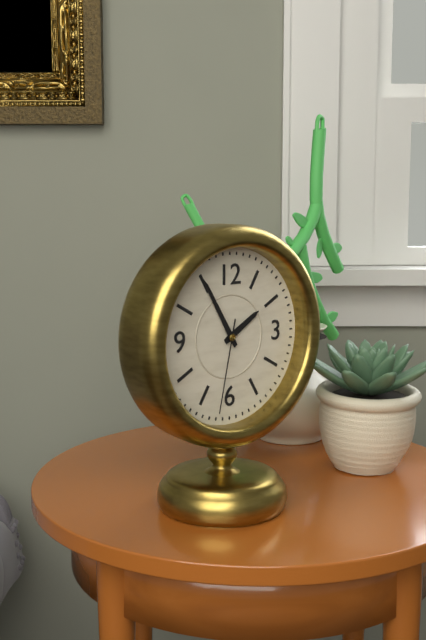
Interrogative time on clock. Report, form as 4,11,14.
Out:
1,55,32
